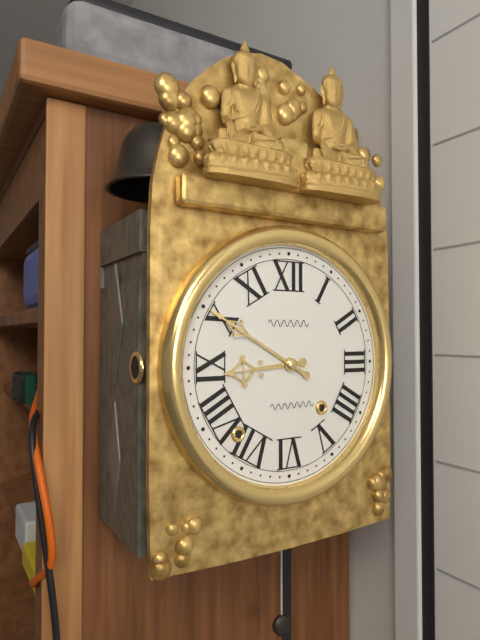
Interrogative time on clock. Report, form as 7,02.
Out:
8,50
